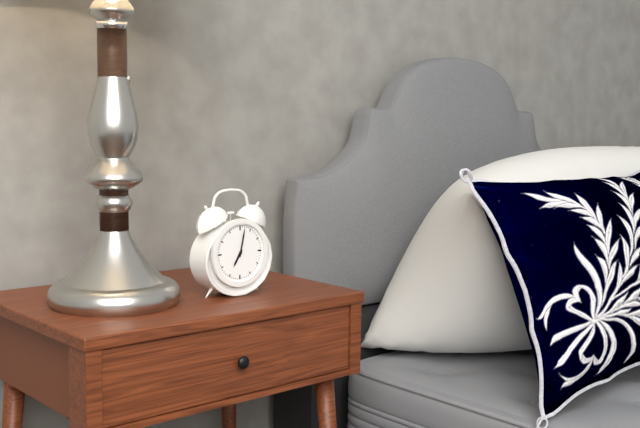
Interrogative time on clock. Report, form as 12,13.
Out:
7,02
